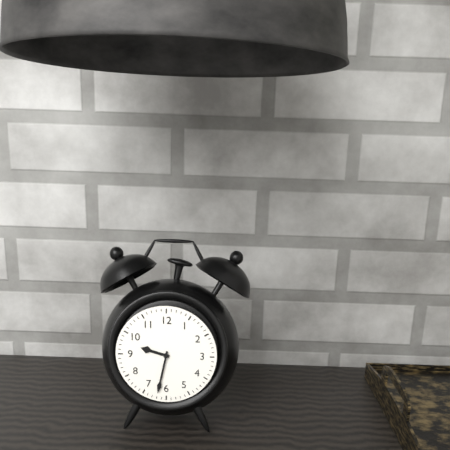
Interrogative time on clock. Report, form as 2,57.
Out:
9,32
